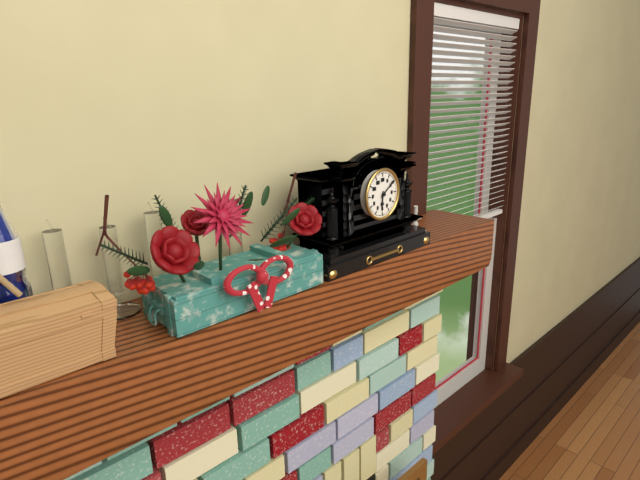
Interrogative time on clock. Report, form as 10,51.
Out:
6,09
